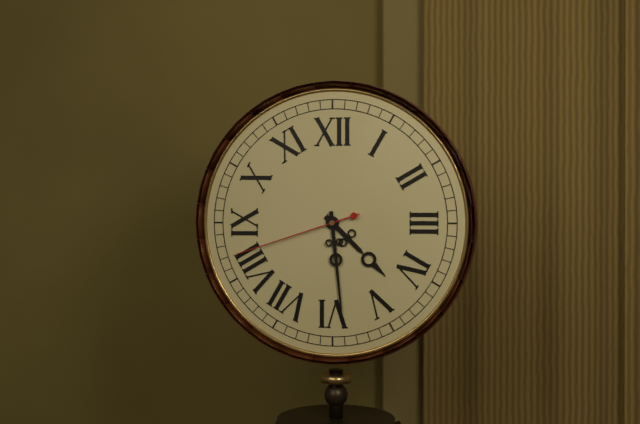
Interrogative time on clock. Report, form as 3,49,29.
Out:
4,29,42
